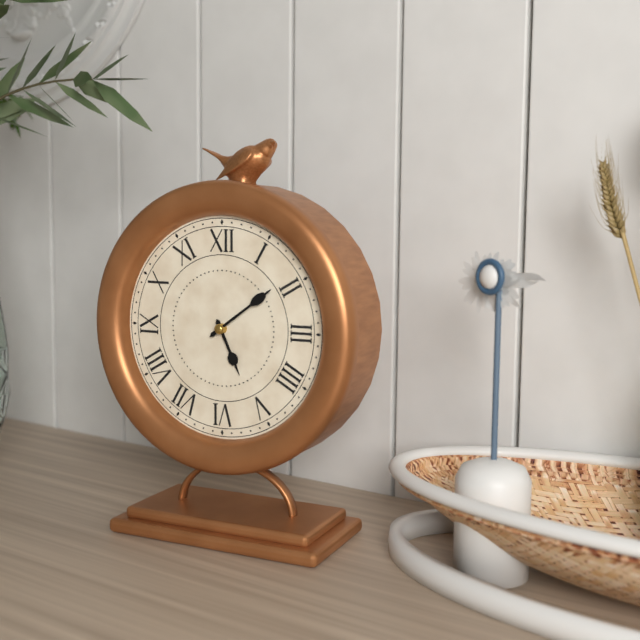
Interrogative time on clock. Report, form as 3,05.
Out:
5,09
